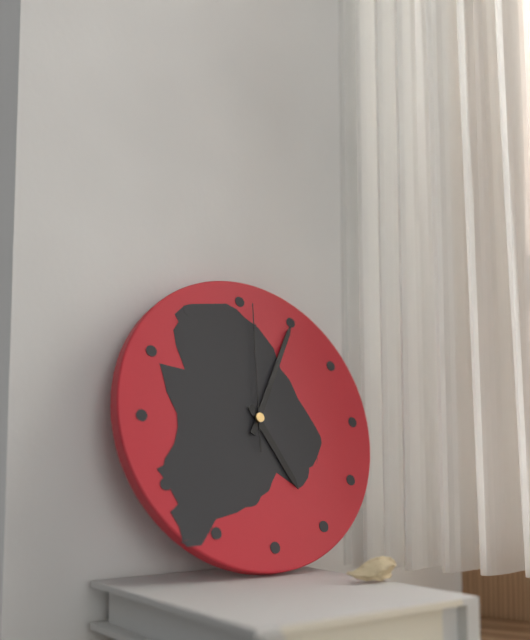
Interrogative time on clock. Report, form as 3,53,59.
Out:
5,05,01
